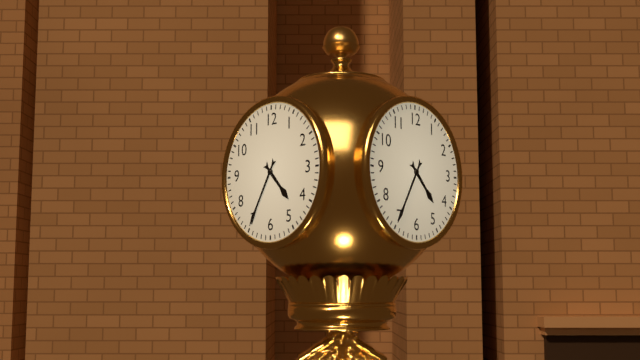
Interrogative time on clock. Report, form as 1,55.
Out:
4,35
